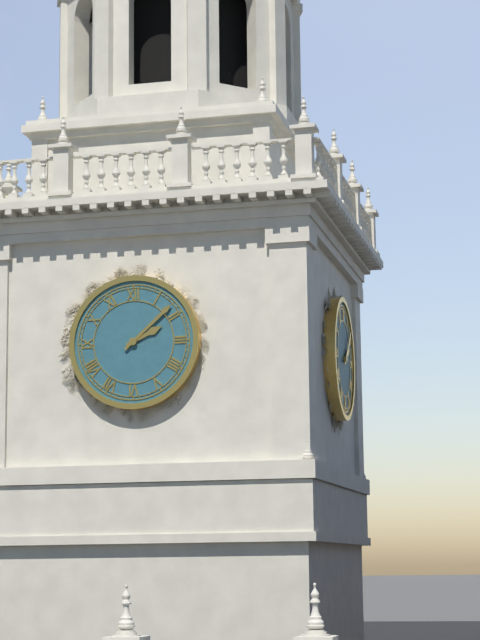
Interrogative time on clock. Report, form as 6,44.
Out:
2,08
